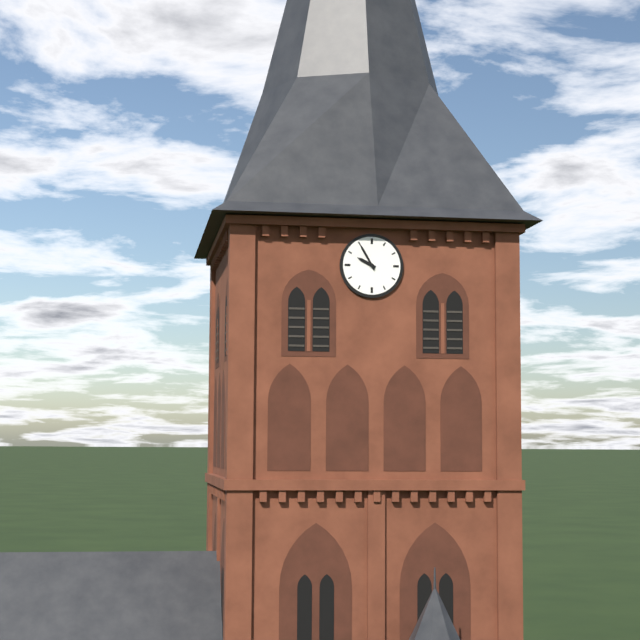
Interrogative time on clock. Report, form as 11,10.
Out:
9,55
